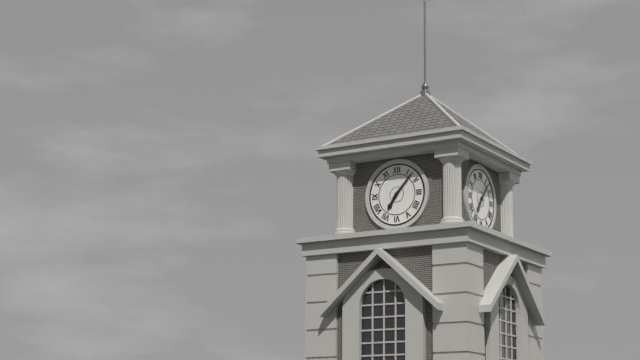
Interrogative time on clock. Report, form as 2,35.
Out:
7,07
